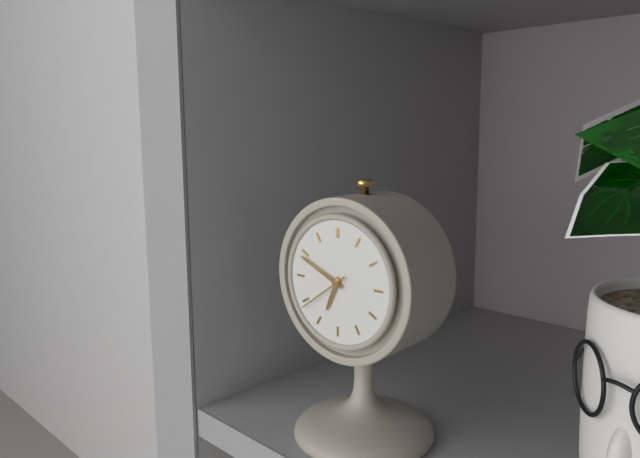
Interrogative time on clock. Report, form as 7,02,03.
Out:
6,49,39
